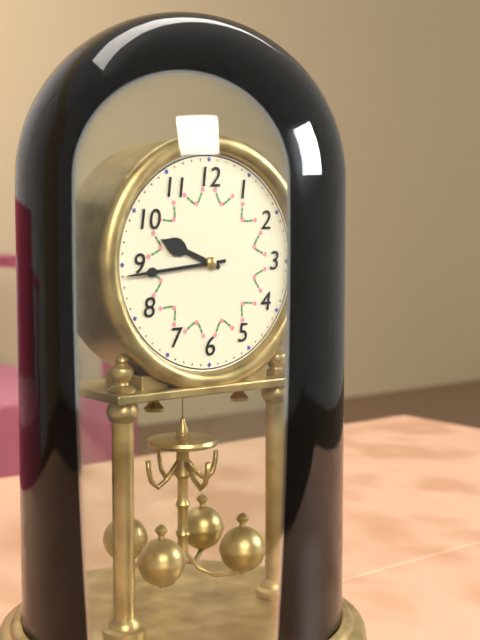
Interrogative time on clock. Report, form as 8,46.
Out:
9,44
